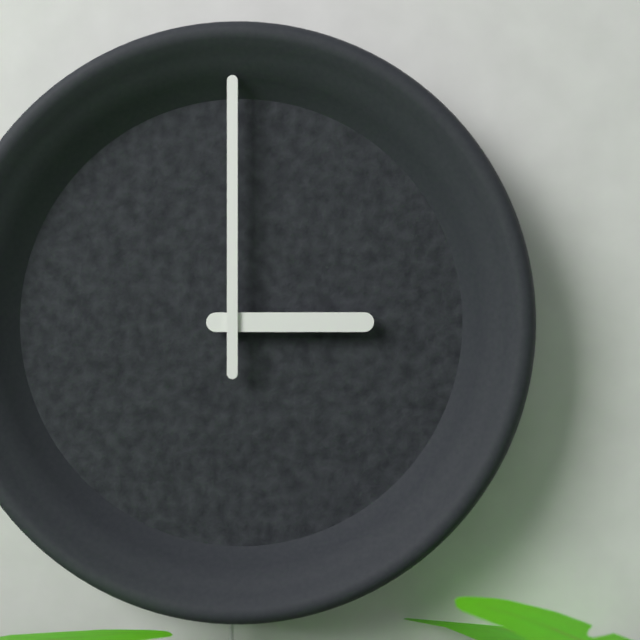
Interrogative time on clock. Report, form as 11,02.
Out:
3,00
